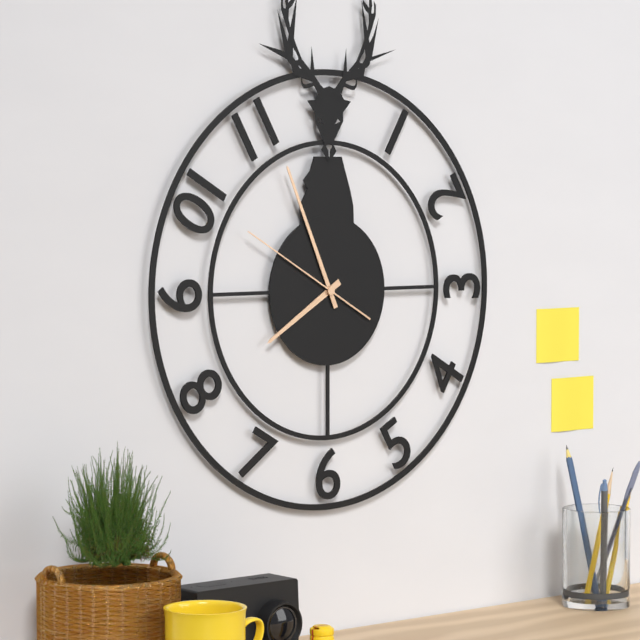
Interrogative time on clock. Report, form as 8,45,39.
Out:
7,56,50
